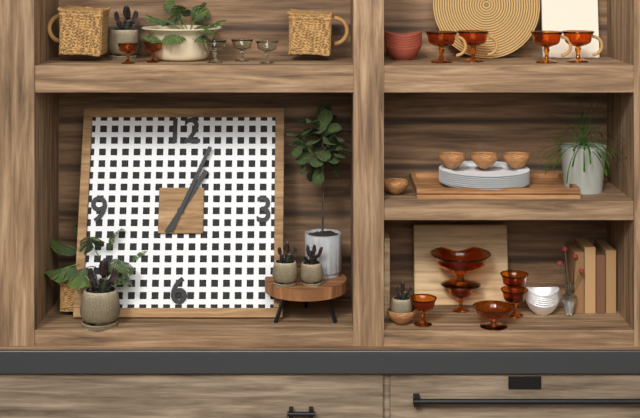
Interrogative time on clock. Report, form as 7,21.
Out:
1,04
